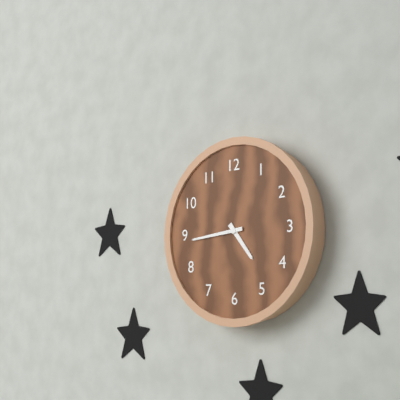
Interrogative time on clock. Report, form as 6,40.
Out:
4,44
